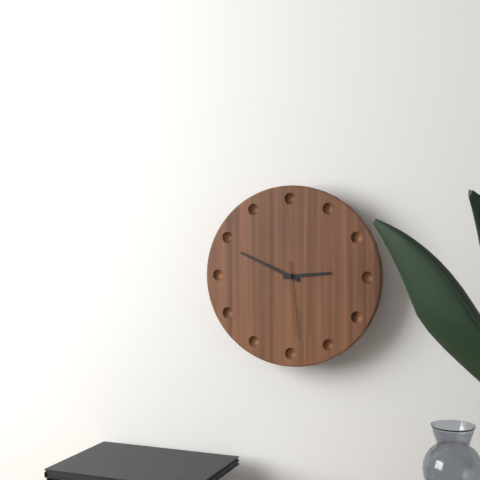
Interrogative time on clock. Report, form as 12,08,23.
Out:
2,49,29
